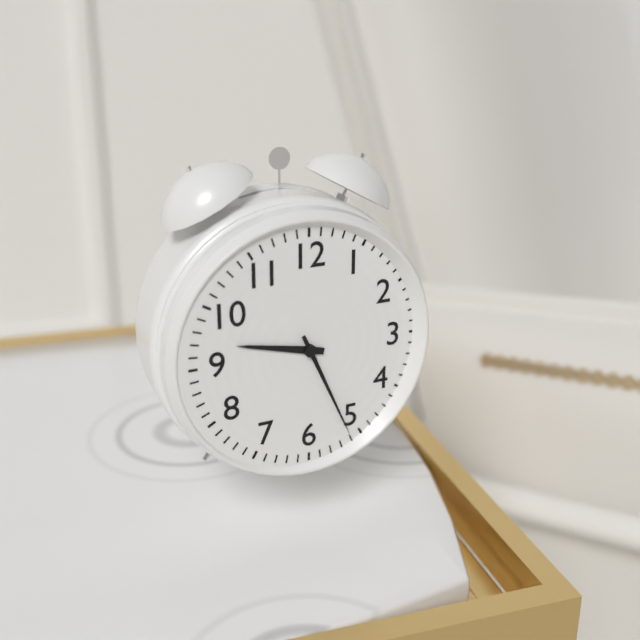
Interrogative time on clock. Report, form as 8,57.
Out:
9,26
